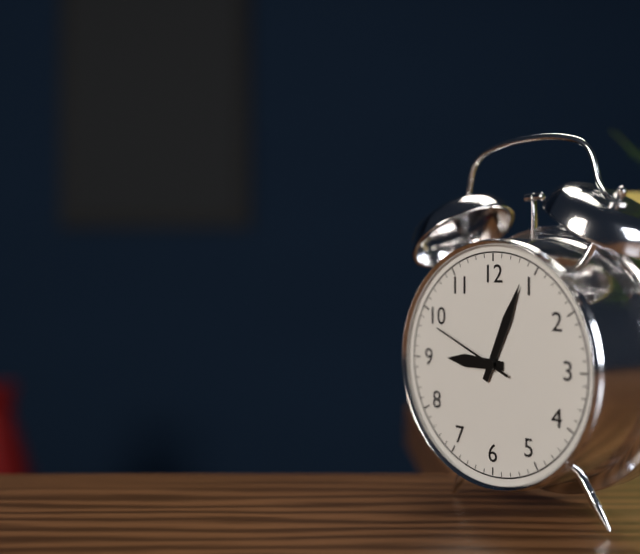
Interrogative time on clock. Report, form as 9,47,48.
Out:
9,04,49
